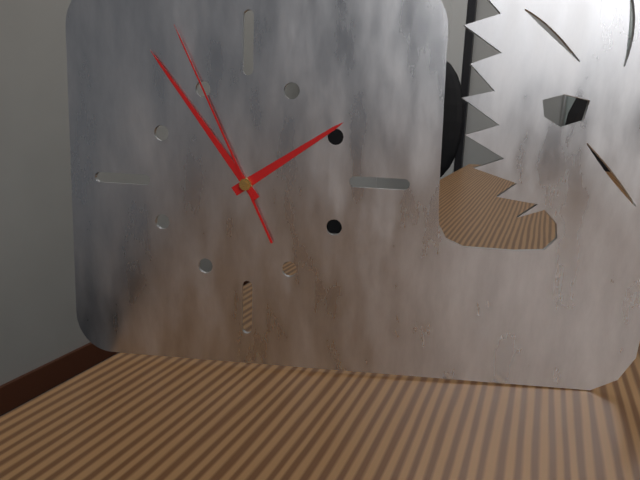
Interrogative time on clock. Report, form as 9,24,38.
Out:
1,54,56
